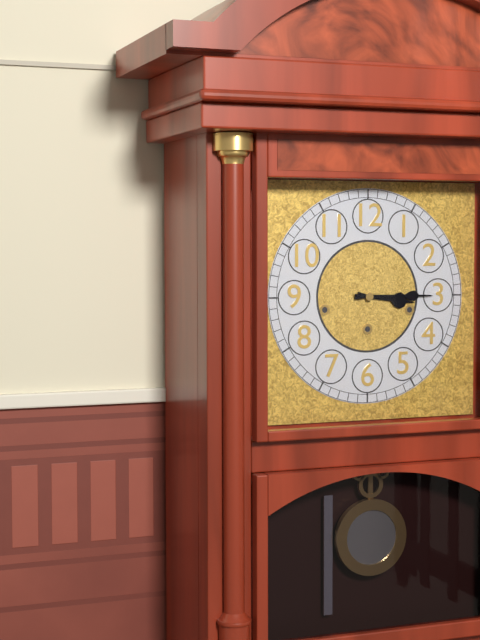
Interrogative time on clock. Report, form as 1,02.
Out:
3,15
